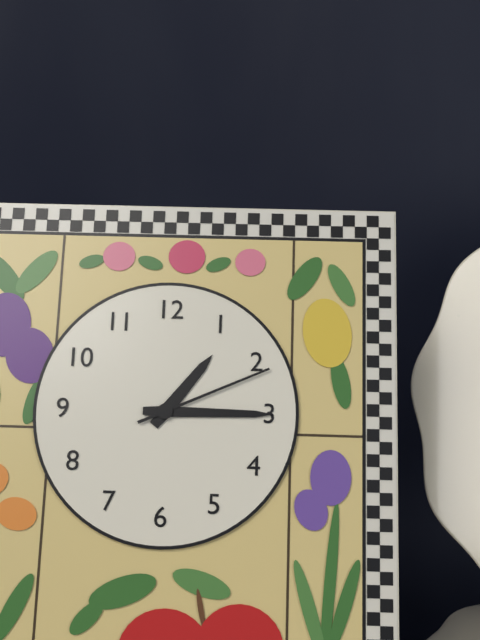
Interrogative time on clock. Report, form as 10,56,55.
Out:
1,15,11
